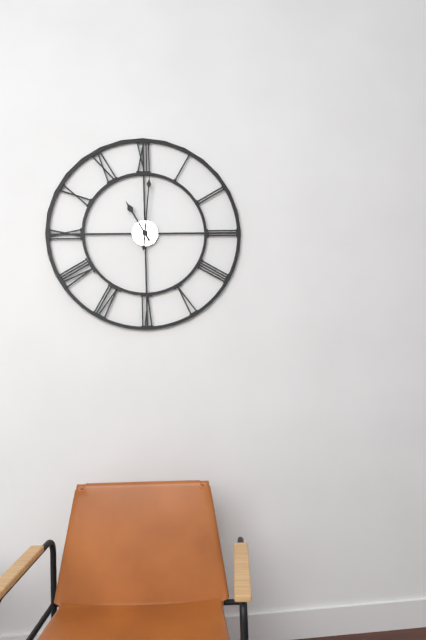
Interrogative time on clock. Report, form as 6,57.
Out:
11,01
